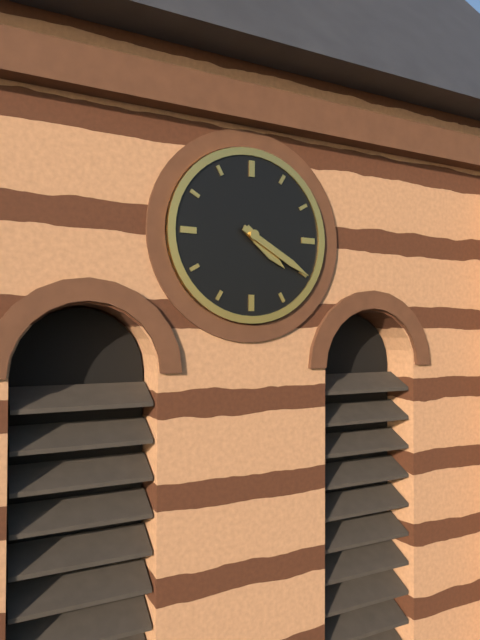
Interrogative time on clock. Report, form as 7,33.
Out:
4,20
